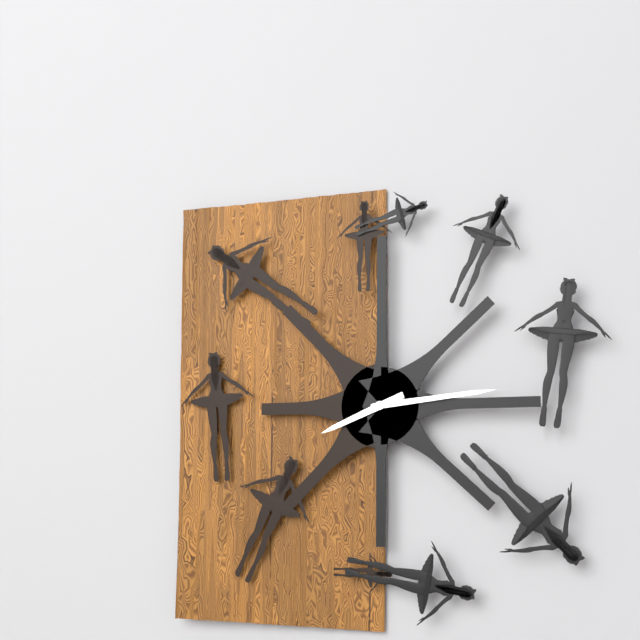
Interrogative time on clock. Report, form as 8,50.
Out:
8,14
